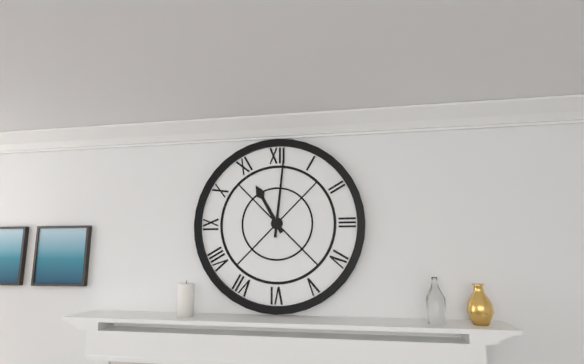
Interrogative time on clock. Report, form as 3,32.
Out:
11,01
